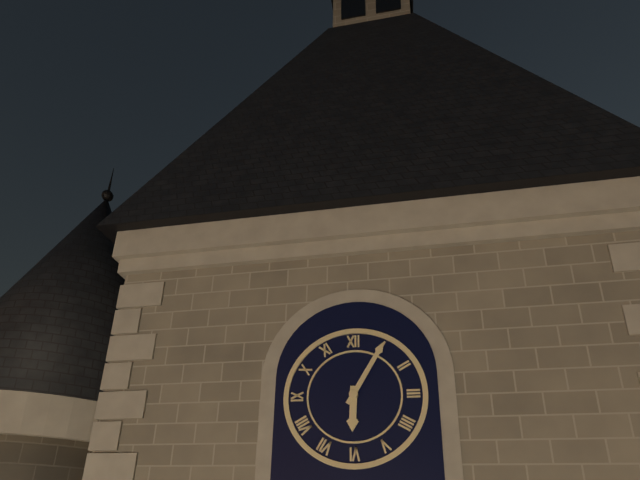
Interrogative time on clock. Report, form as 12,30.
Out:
6,05
